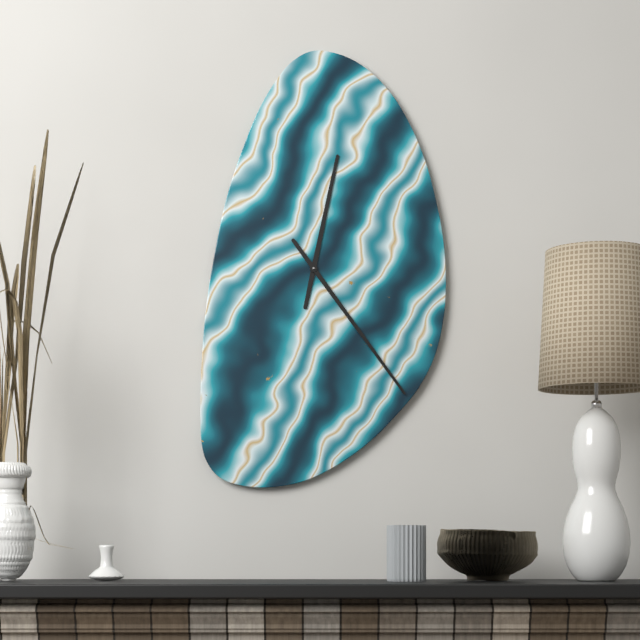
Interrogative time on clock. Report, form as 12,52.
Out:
12,24
